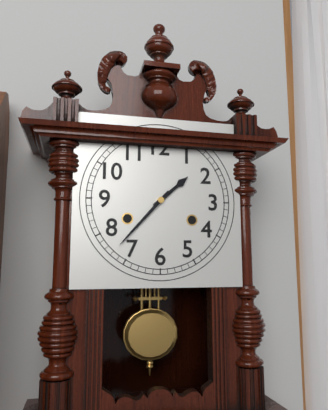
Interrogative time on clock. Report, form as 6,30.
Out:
1,37
